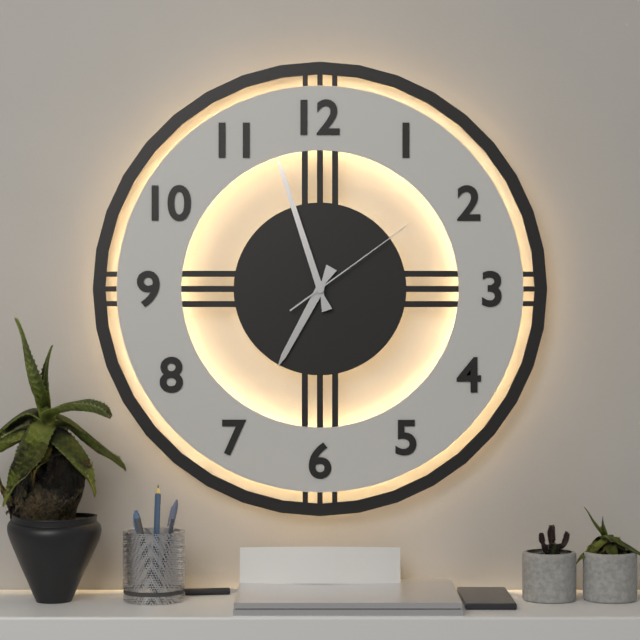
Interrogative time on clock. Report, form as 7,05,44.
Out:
6,57,09
